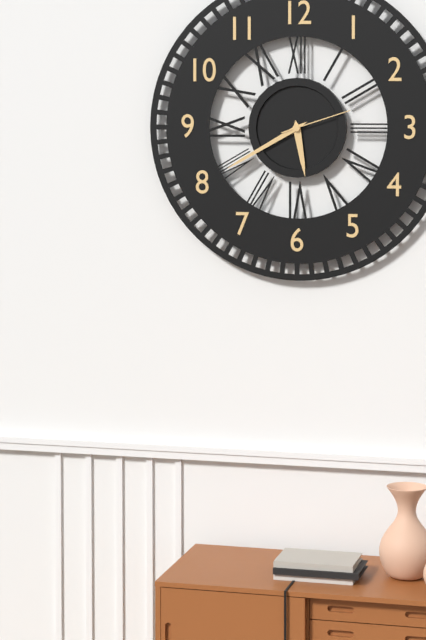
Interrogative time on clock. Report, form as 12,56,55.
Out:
5,40,12
